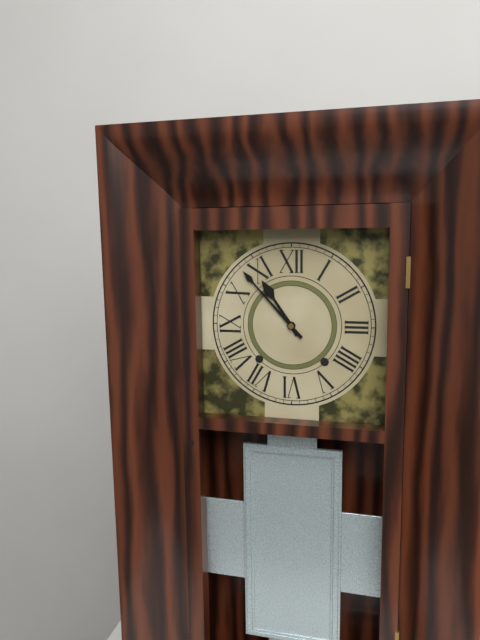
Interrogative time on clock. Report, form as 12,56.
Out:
10,53
